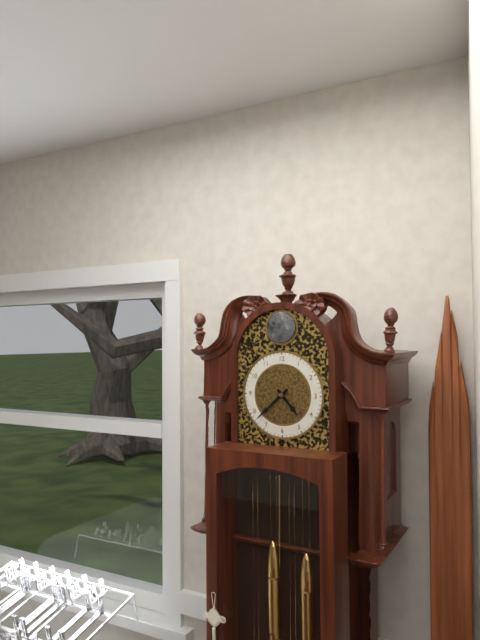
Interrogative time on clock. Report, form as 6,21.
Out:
4,38
